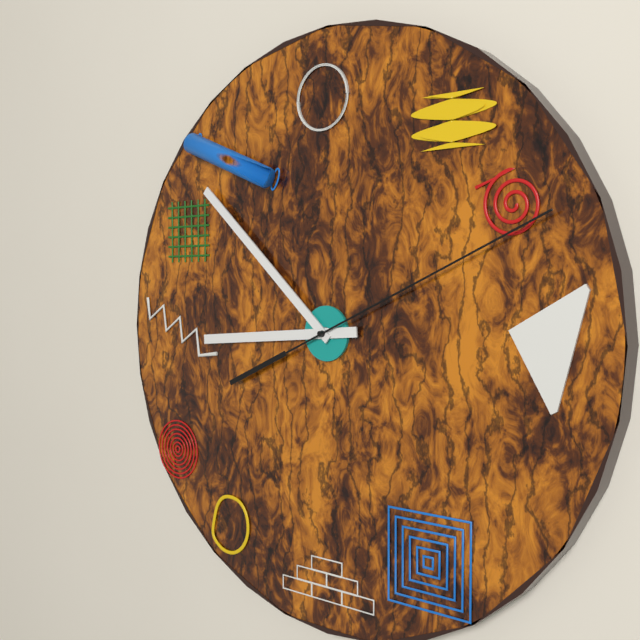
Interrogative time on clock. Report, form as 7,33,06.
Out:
8,52,11
